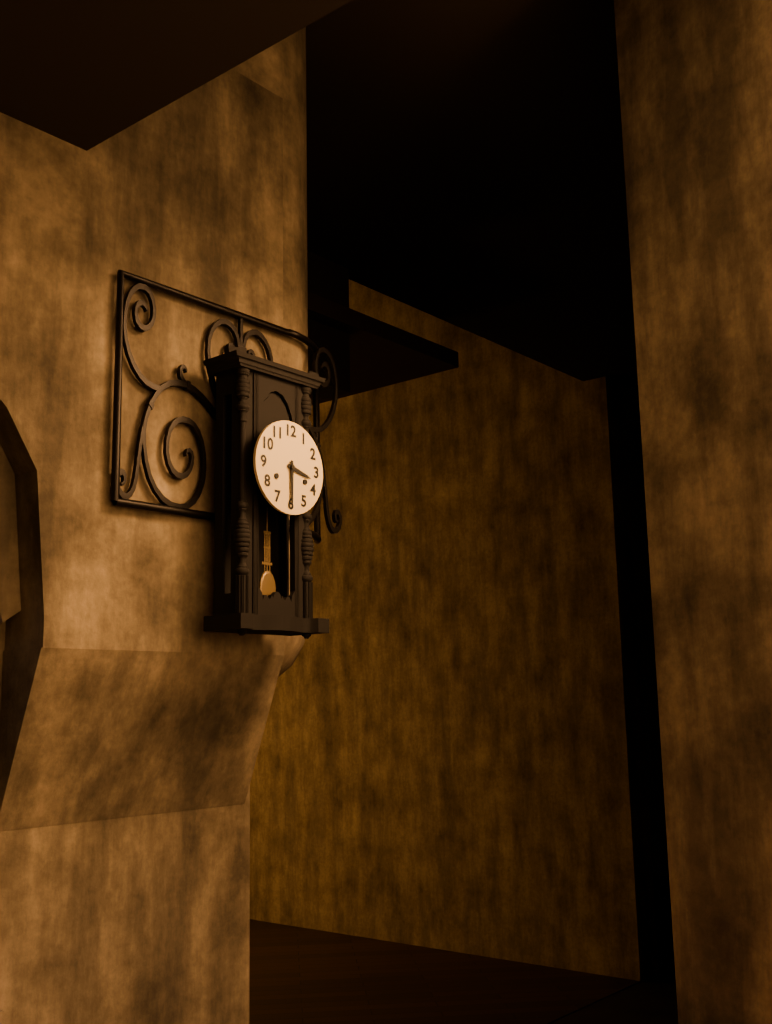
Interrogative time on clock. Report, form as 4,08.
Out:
3,30
